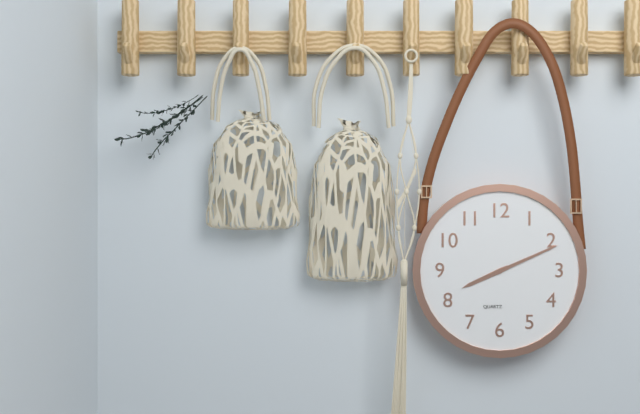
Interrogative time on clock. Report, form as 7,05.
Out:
8,11
